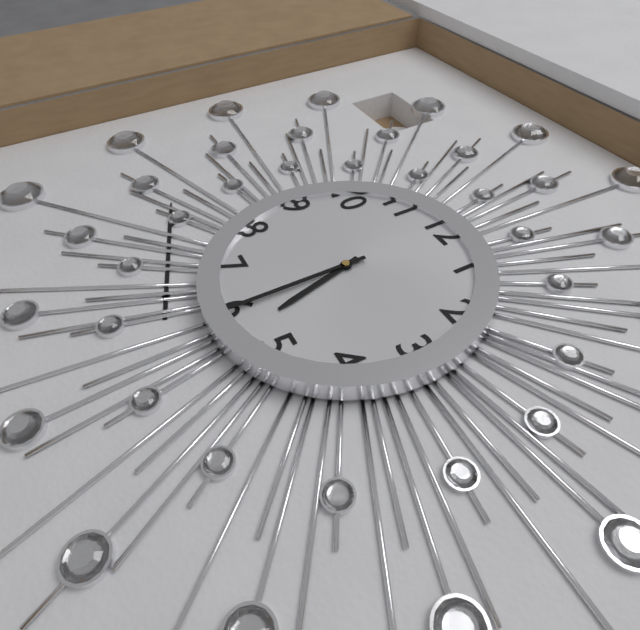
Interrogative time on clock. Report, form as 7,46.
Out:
5,30
